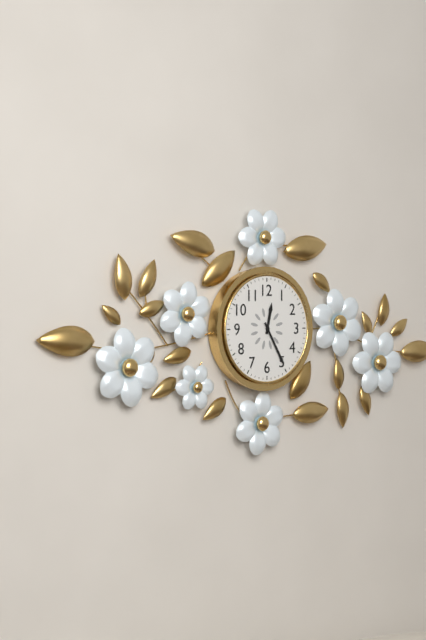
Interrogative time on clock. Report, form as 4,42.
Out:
12,25
